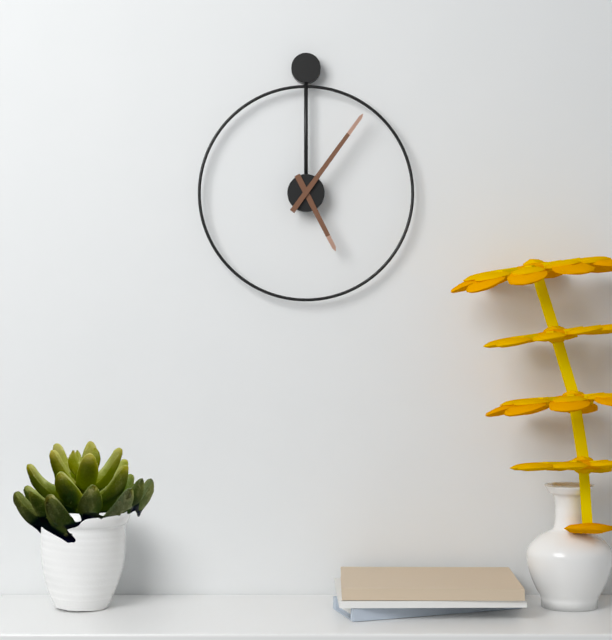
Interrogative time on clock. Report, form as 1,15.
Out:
5,06
